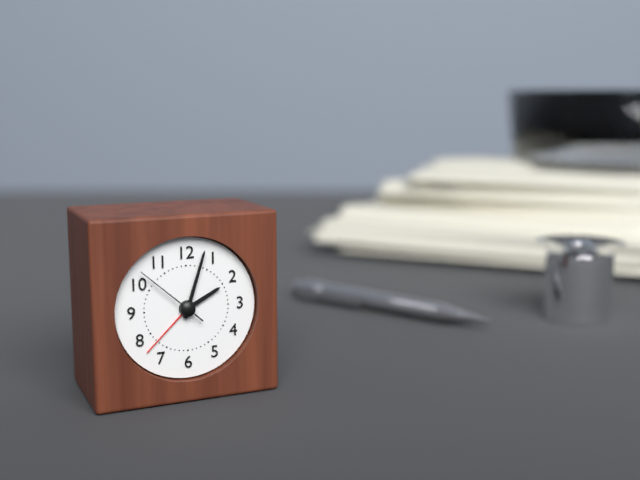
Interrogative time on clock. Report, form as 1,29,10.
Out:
2,03,52
